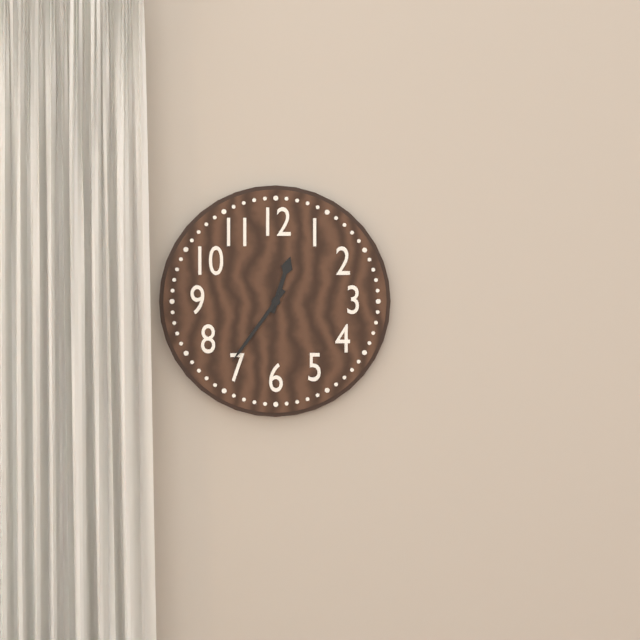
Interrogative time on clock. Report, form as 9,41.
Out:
12,36
